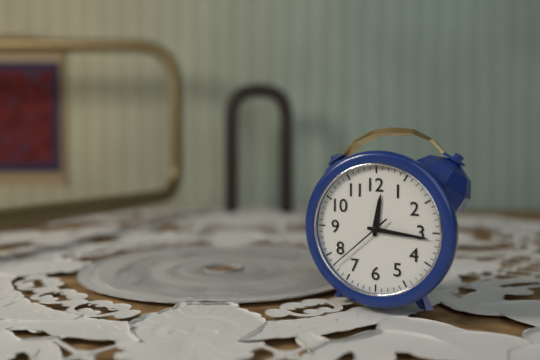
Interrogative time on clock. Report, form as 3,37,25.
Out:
12,16,38
